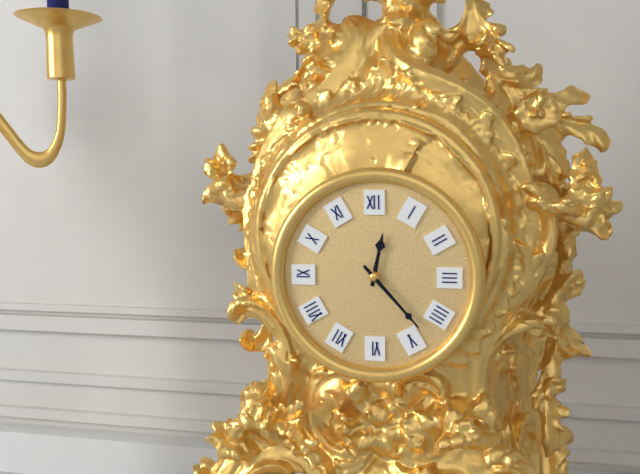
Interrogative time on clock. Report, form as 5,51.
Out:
12,23
